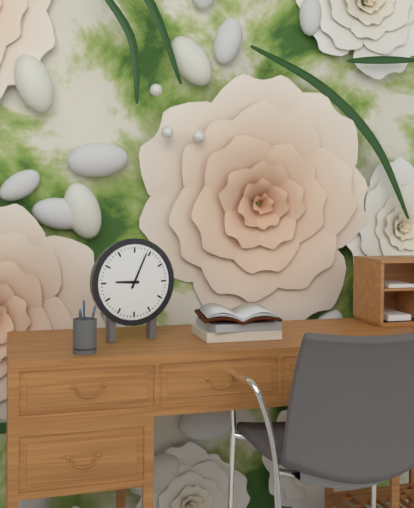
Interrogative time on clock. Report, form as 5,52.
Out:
9,04
